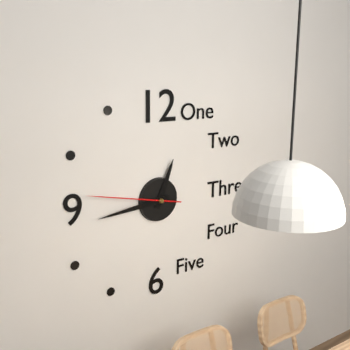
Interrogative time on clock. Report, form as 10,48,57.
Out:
12,44,47
